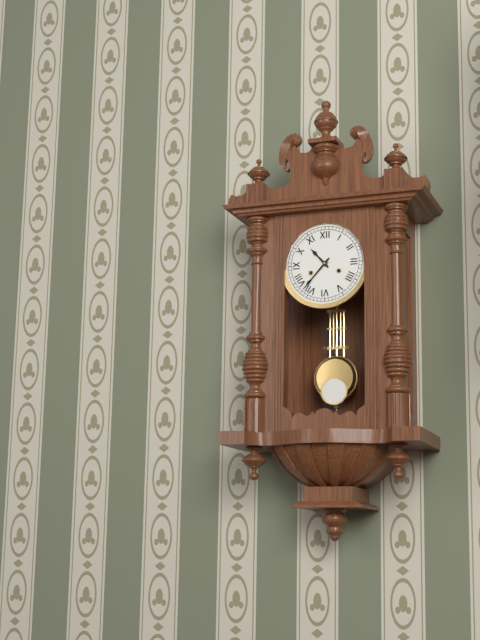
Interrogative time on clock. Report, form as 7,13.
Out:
10,37
